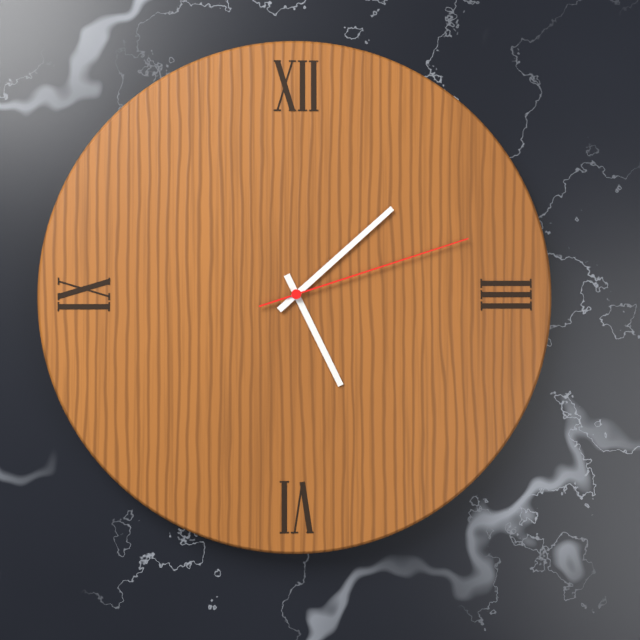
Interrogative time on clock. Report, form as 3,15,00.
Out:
5,08,12
